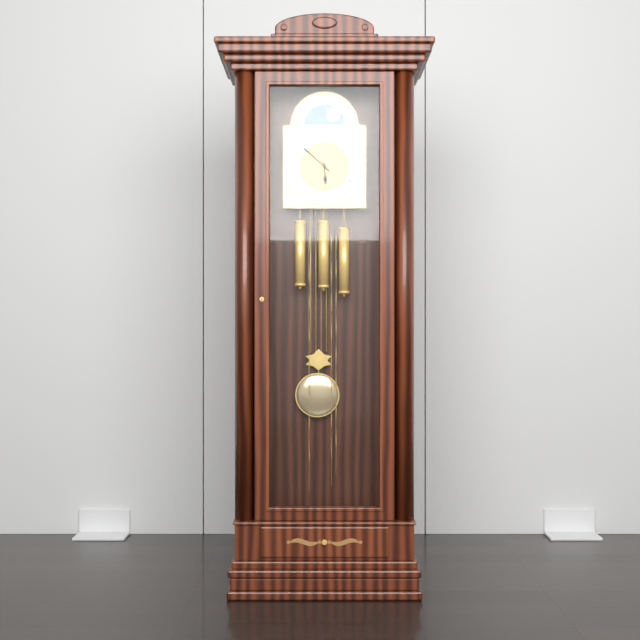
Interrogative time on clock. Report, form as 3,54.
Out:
5,52
